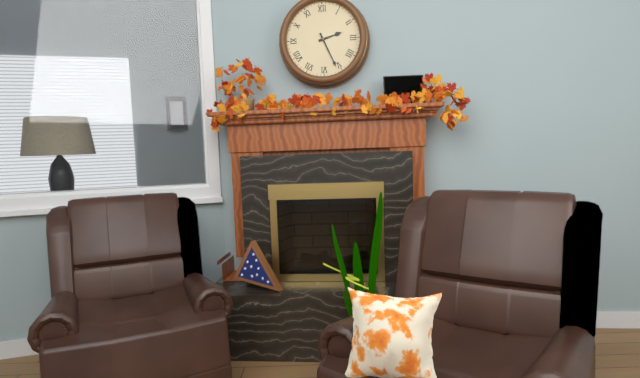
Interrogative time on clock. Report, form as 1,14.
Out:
2,26
